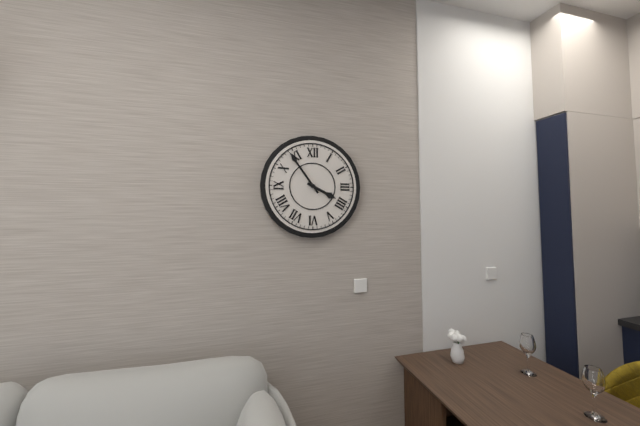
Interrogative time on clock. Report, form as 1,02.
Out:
3,54
